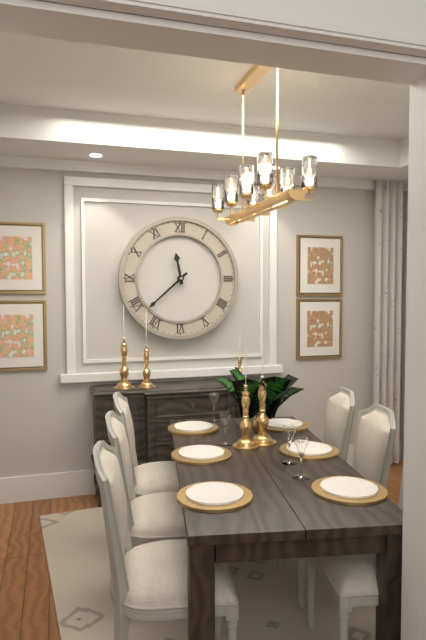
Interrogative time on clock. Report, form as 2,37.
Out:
11,38
